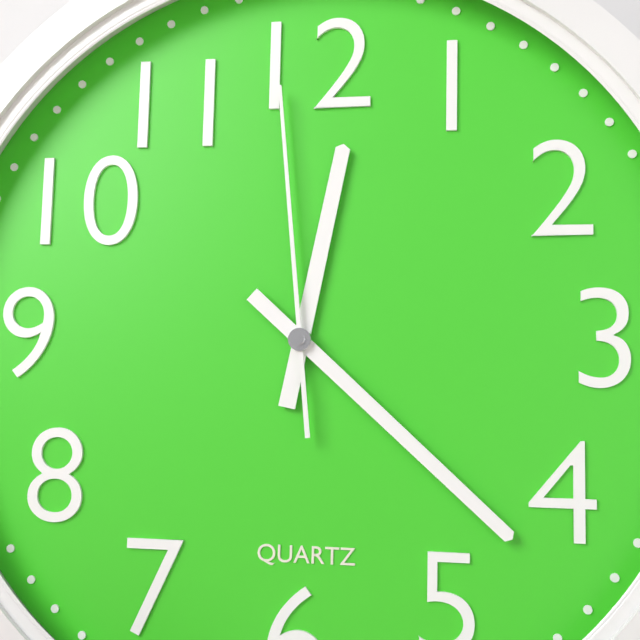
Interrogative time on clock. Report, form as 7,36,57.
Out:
12,22,59
